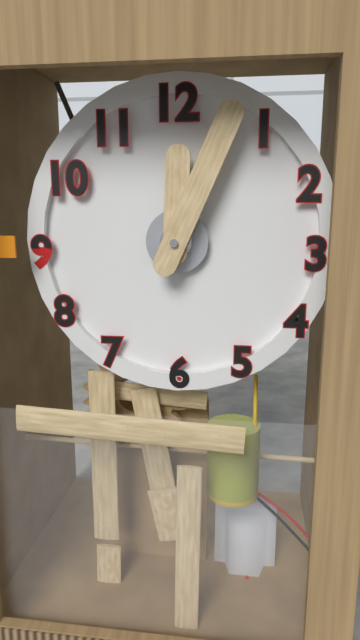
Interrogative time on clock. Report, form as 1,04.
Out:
12,04
